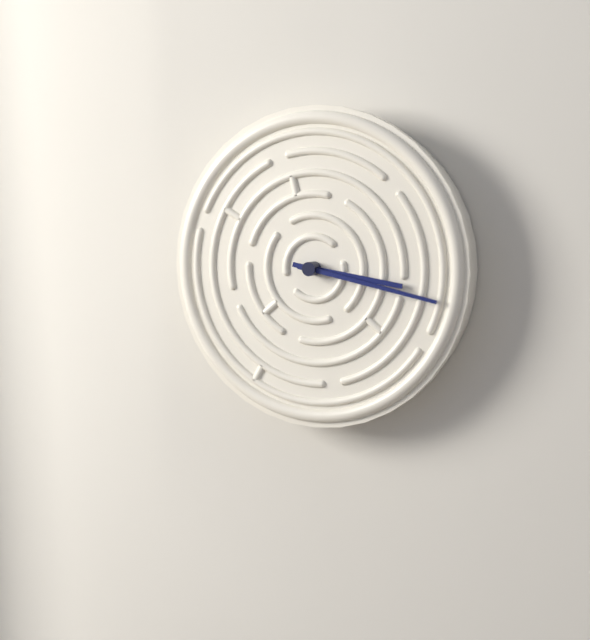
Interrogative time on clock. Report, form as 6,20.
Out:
3,17
